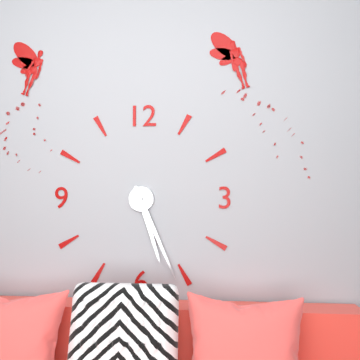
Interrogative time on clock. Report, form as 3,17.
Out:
5,26
